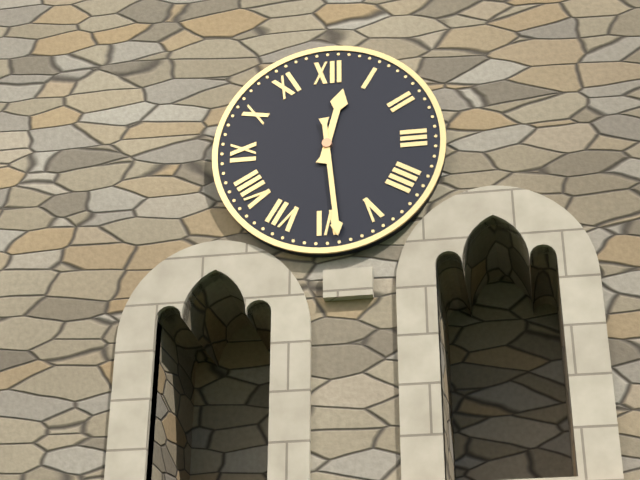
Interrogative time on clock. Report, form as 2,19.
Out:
12,29
